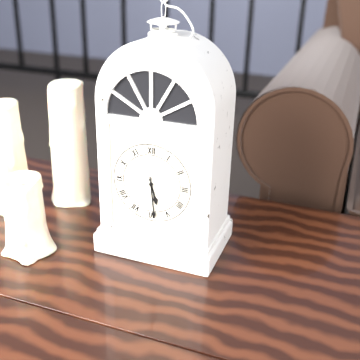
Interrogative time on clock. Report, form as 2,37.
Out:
5,29
